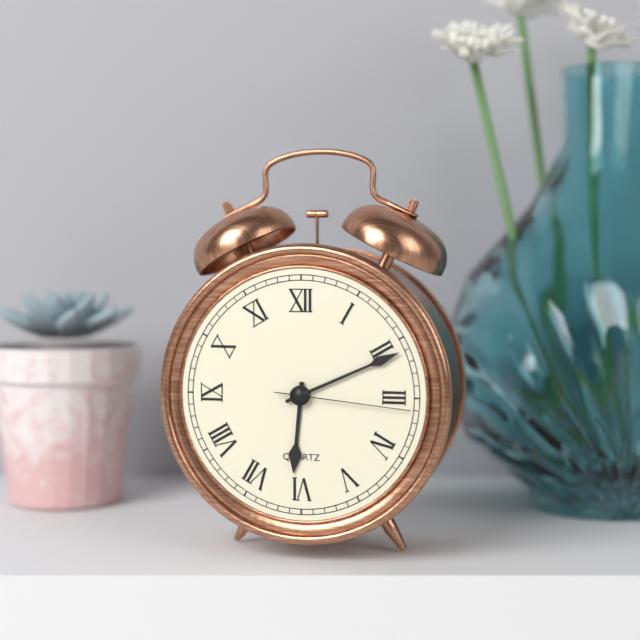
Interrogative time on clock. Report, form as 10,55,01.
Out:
6,11,16
